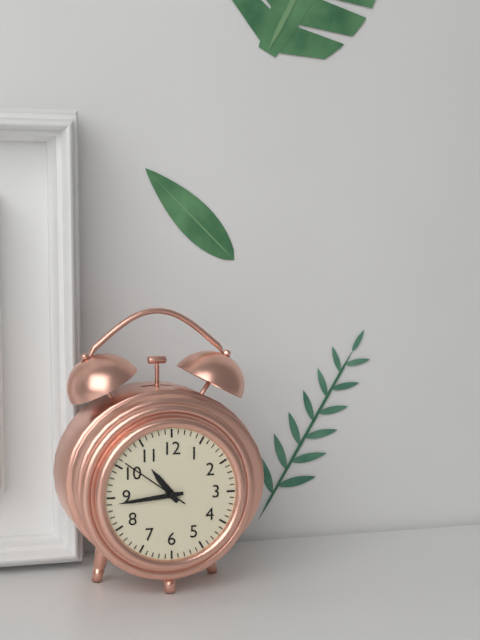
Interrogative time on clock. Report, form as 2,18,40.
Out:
10,44,51
